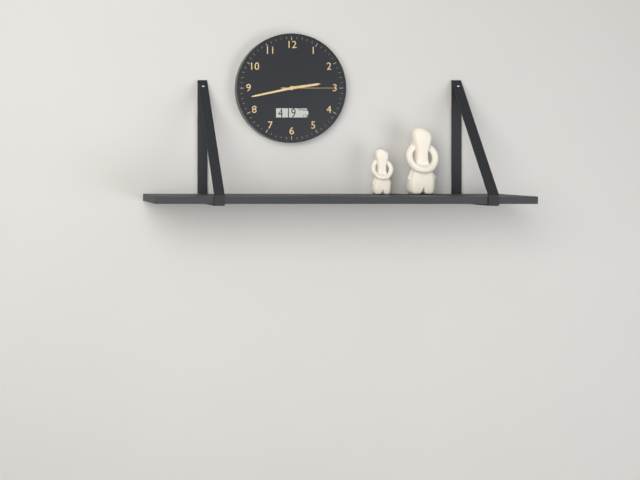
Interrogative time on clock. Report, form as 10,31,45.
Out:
2,43,15
